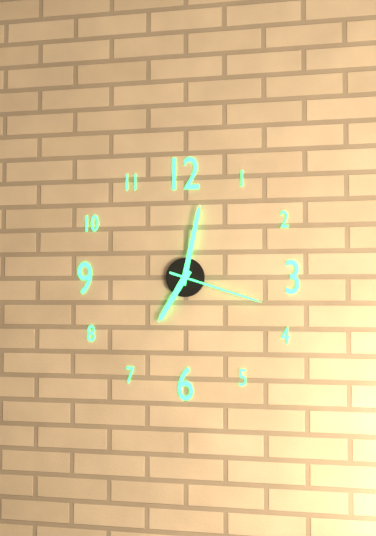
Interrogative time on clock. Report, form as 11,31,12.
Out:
7,02,18
